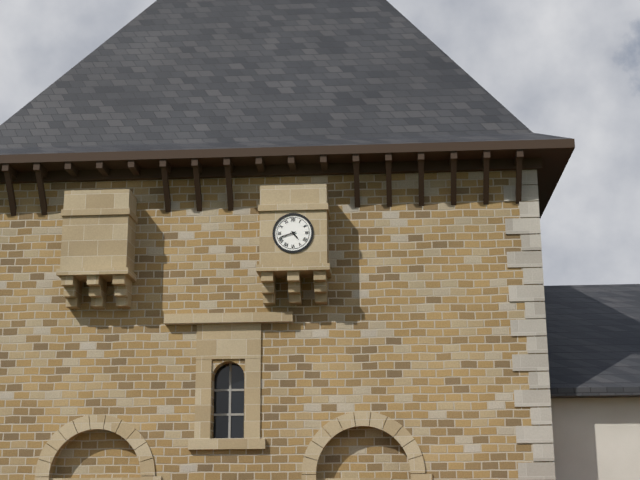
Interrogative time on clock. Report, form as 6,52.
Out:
4,42
